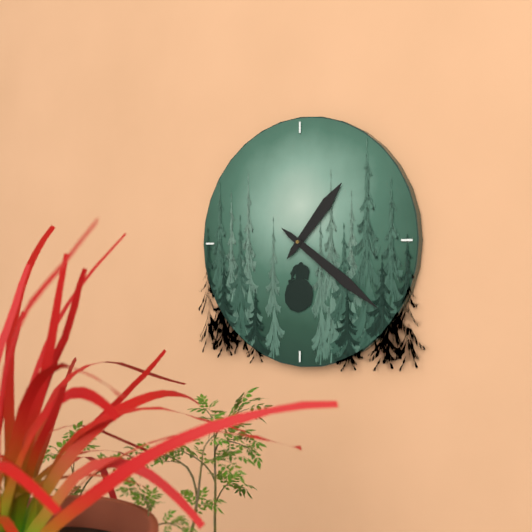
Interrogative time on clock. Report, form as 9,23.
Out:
1,21
